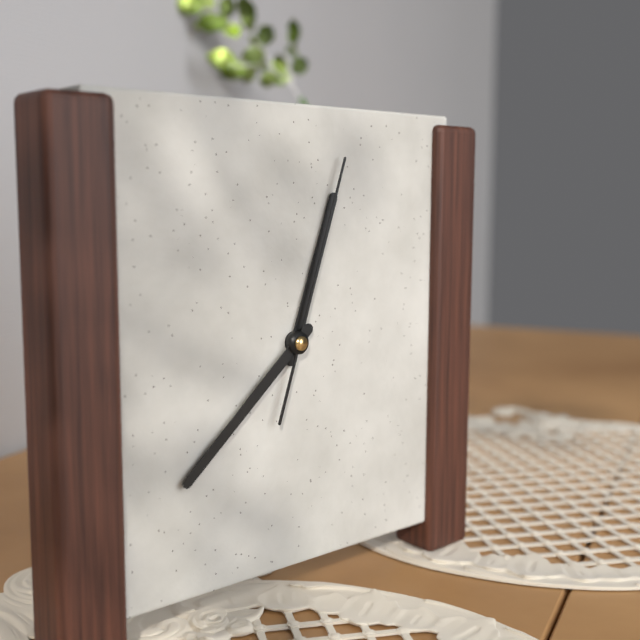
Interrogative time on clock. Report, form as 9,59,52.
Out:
12,38,03
